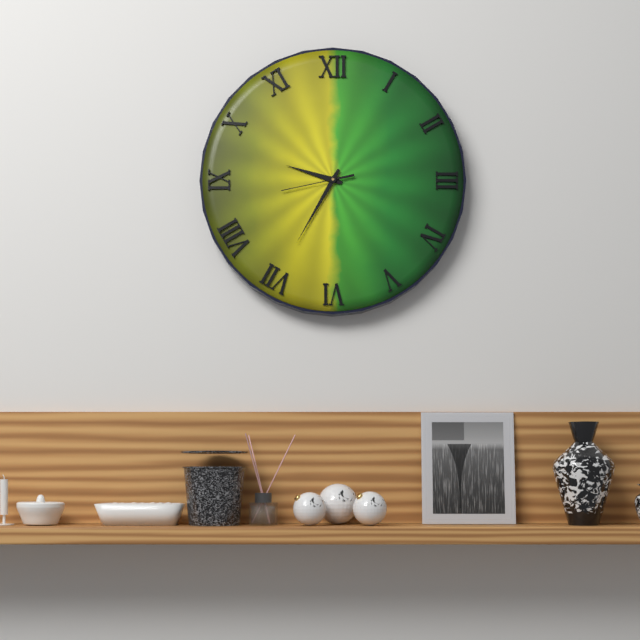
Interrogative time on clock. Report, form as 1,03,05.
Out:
9,35,43
